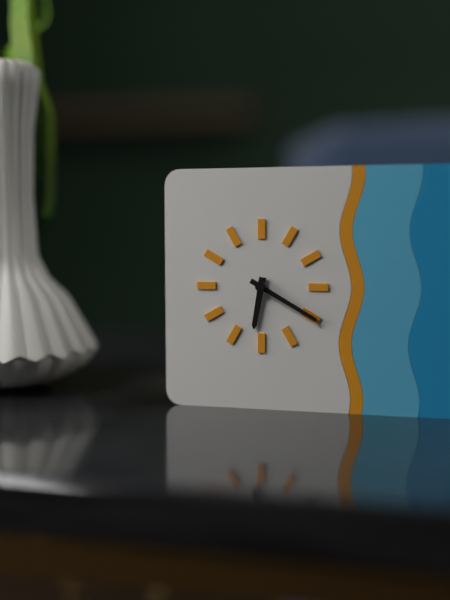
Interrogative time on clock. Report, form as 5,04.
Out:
6,20
